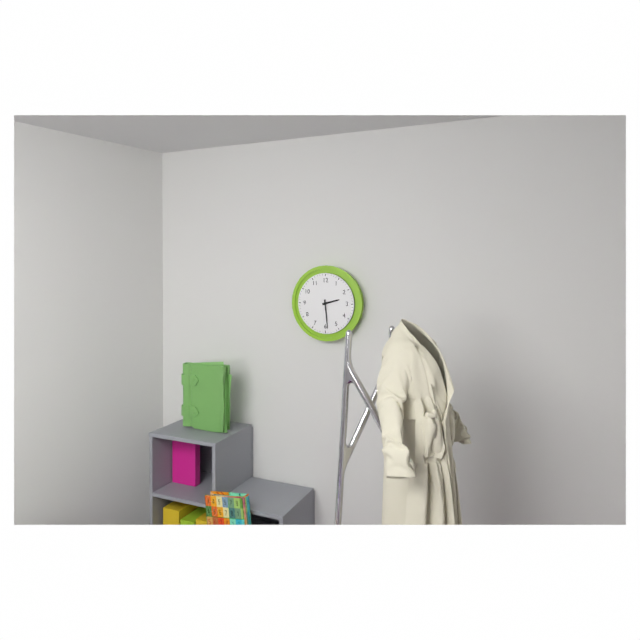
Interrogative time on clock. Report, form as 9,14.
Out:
2,29
